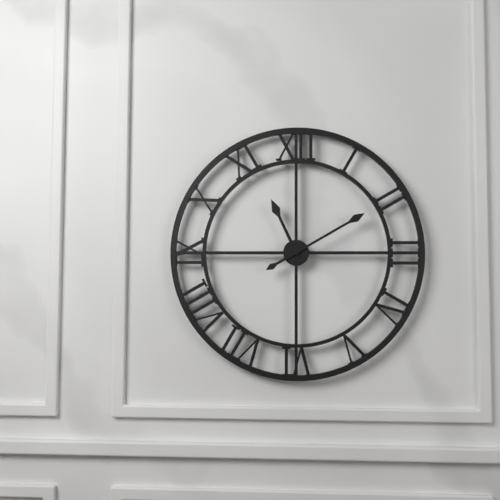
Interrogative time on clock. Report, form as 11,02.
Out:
11,10
